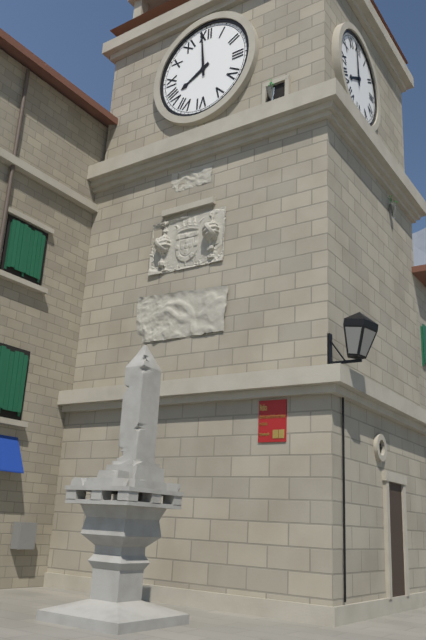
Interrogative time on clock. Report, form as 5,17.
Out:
7,59
